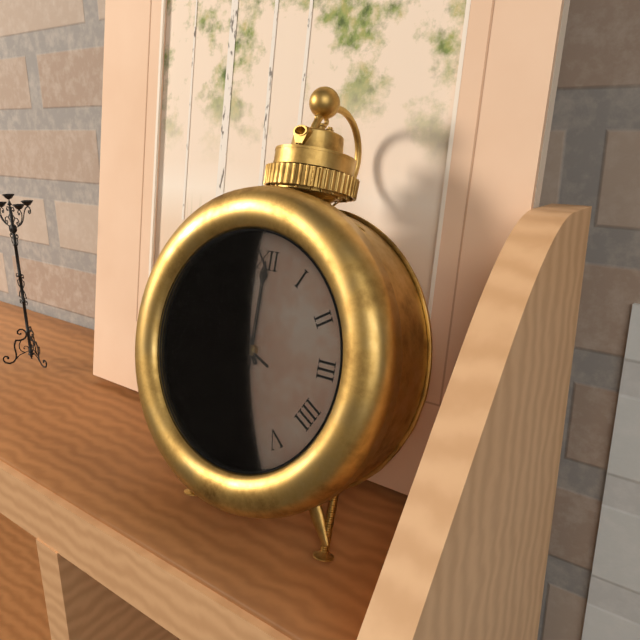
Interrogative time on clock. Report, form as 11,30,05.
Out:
11,00,49
